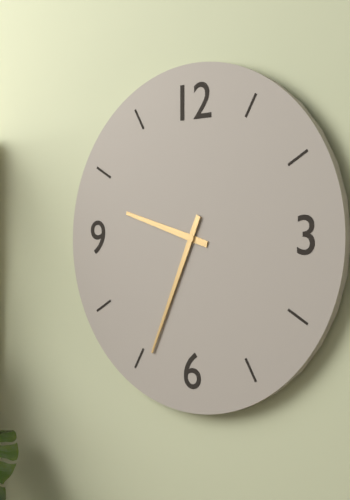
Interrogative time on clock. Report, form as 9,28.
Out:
9,34
